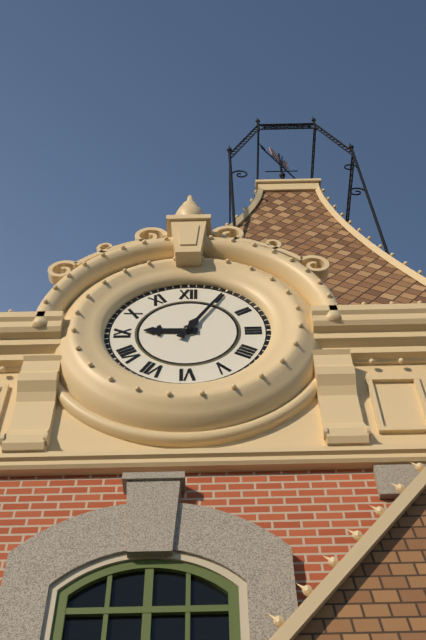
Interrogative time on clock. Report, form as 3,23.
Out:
9,05
